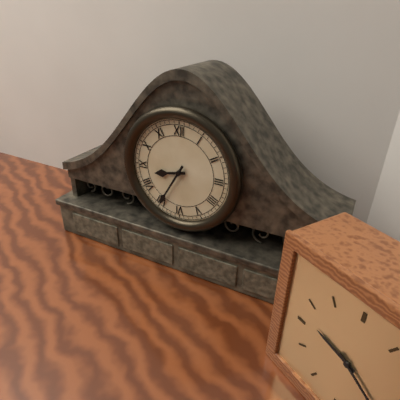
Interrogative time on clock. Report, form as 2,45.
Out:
8,35
